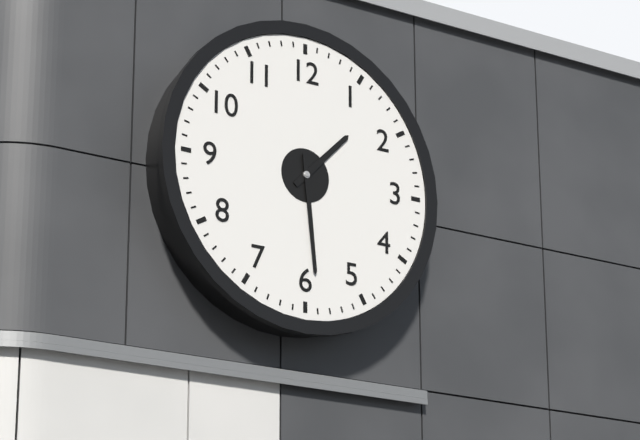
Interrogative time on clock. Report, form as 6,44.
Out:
1,29
